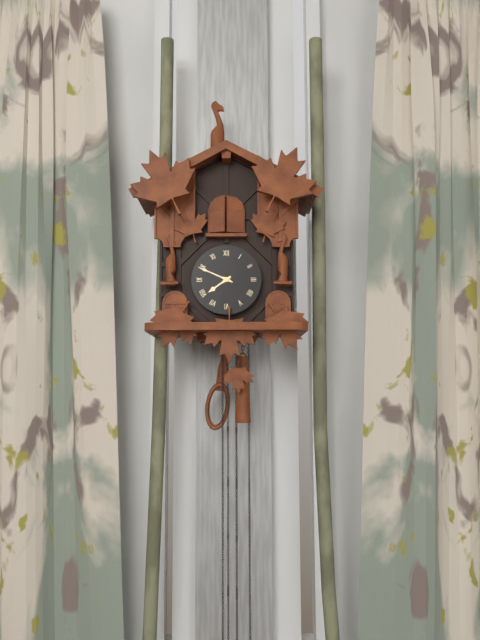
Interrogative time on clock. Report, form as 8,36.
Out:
7,49
